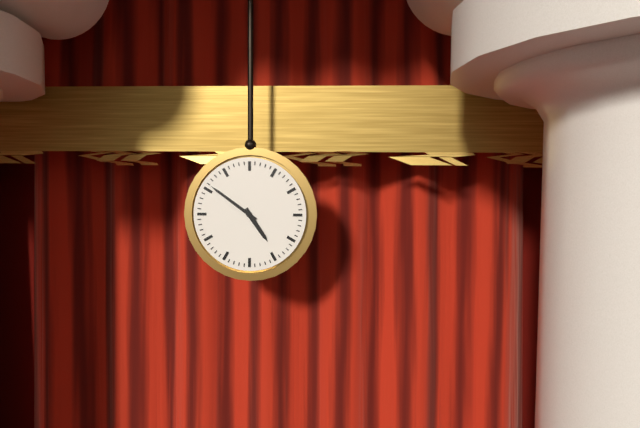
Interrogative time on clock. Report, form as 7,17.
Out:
4,51
